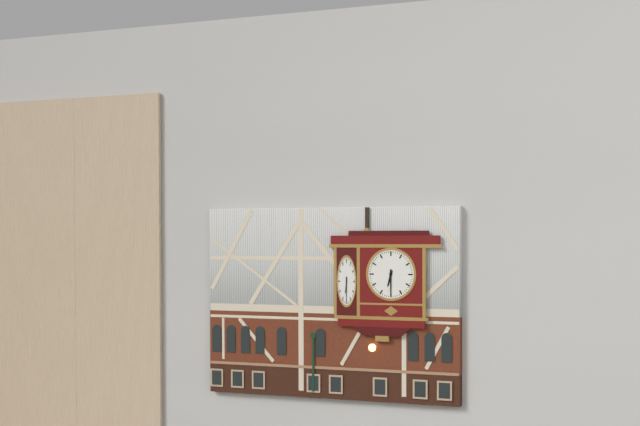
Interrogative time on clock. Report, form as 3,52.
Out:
6,30
